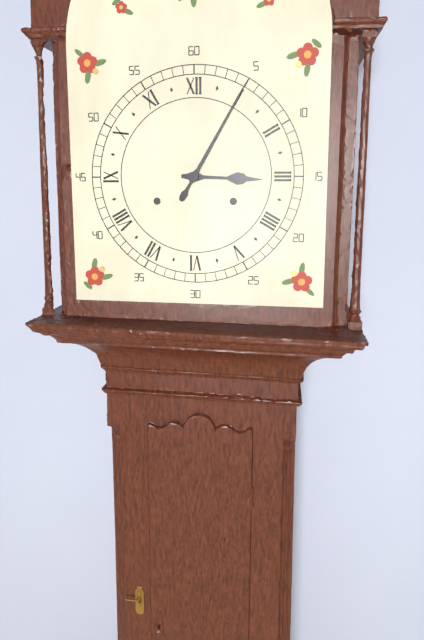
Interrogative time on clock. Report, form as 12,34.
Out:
3,05
